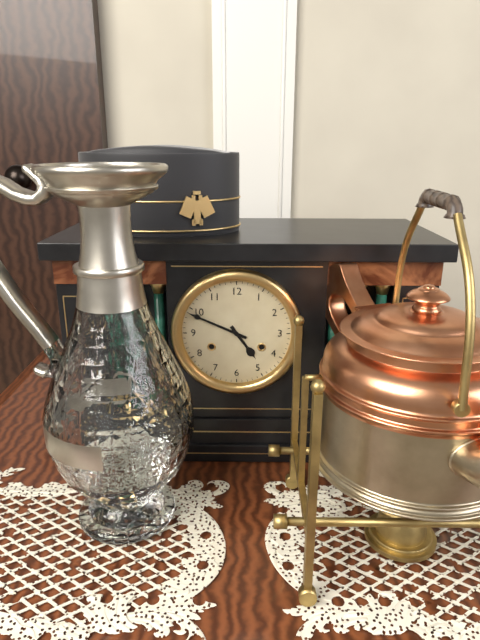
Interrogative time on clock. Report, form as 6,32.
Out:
4,49
